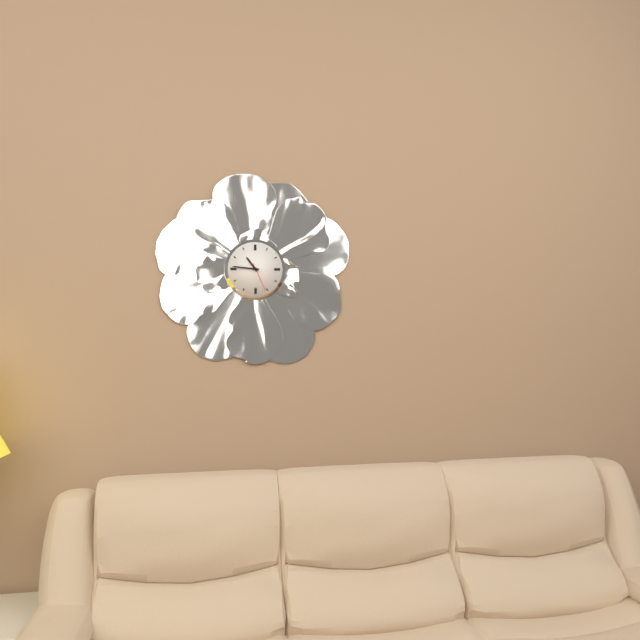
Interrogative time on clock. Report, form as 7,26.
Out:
10,46
